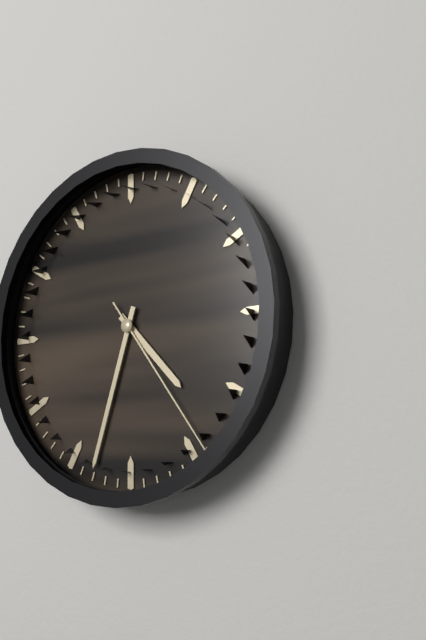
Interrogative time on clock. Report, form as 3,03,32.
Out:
4,33,24
